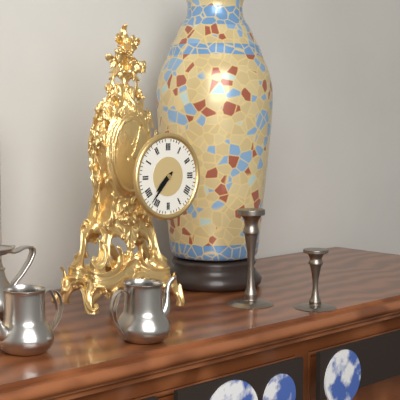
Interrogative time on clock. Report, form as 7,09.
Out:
7,37
